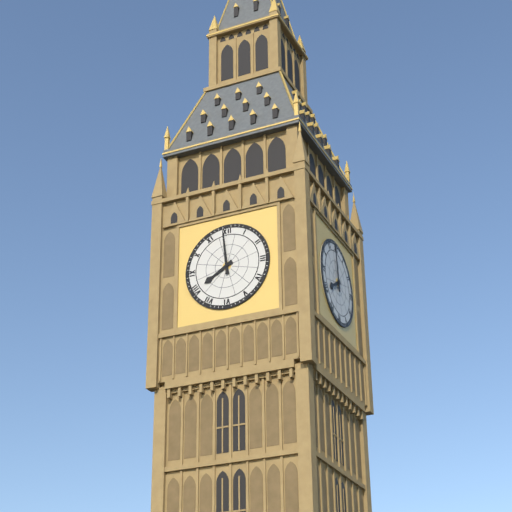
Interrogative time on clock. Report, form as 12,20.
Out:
7,59
